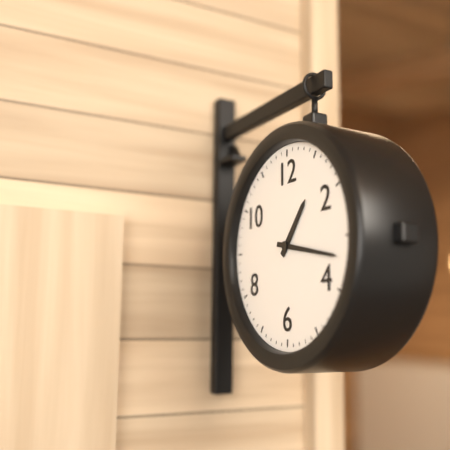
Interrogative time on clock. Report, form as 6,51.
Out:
1,17
